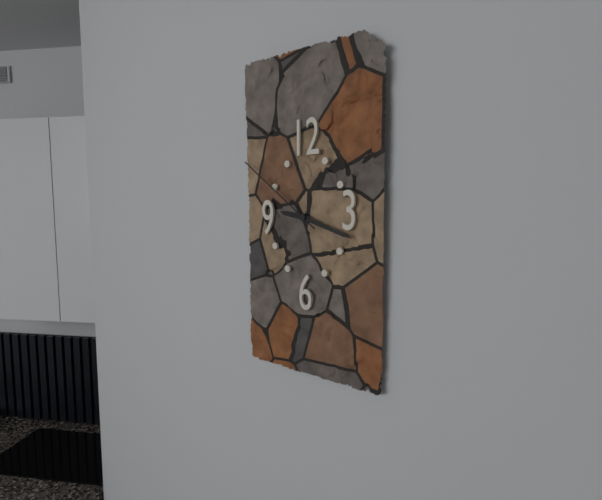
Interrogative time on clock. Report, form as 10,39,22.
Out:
9,18,51
